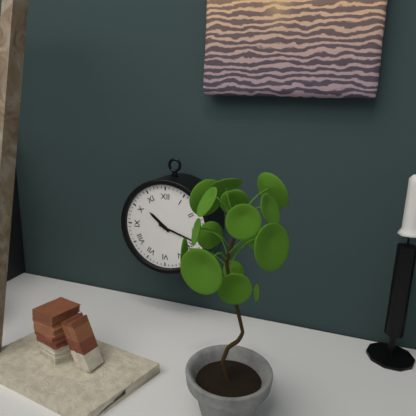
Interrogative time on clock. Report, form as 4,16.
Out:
10,18
